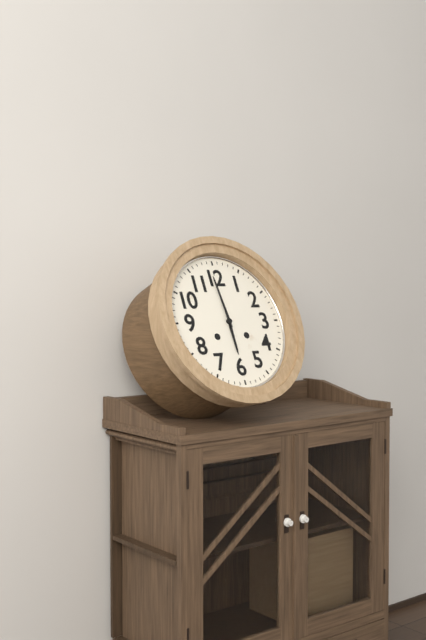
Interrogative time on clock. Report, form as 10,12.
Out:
5,59
